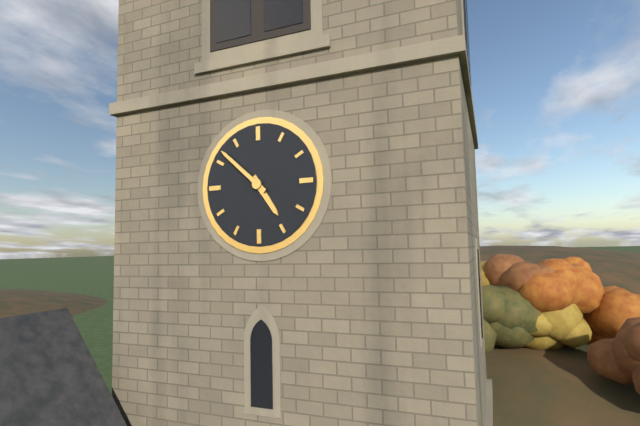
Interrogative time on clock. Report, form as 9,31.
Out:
4,52
